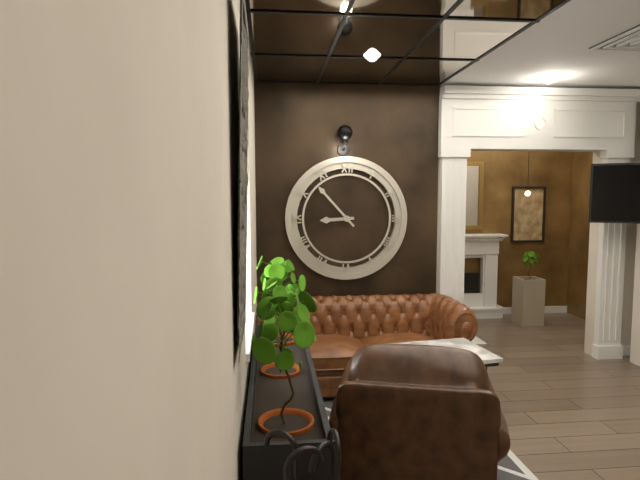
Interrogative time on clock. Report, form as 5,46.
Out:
8,53
